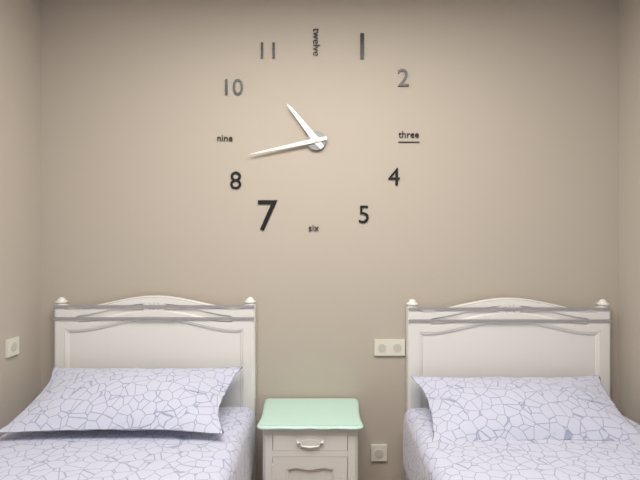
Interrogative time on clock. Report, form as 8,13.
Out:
10,43
